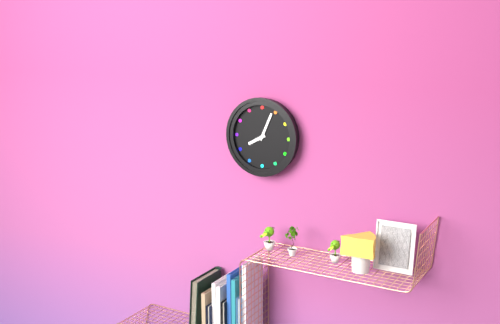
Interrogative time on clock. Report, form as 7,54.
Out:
8,04
